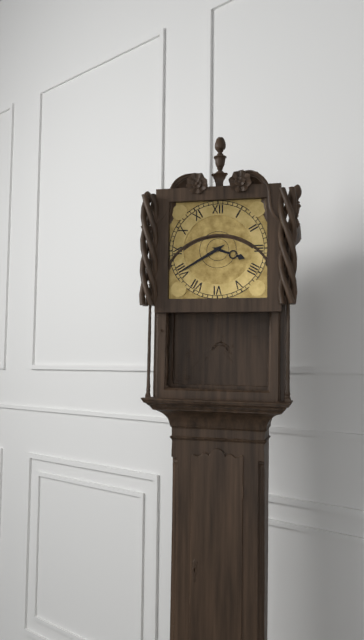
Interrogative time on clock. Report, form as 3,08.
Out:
3,40
